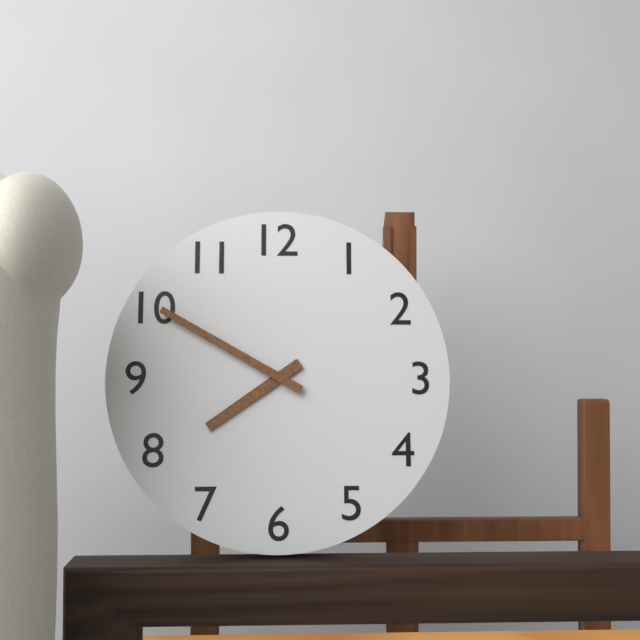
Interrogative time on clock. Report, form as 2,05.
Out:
7,50
